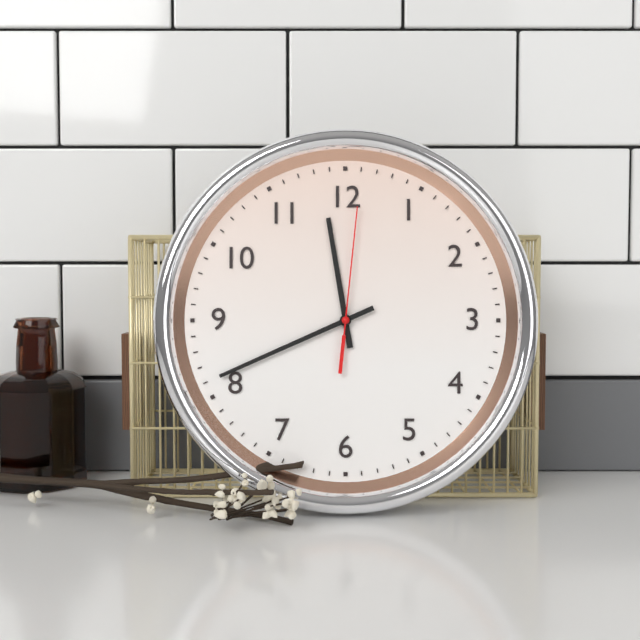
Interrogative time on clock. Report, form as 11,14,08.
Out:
11,41,01
